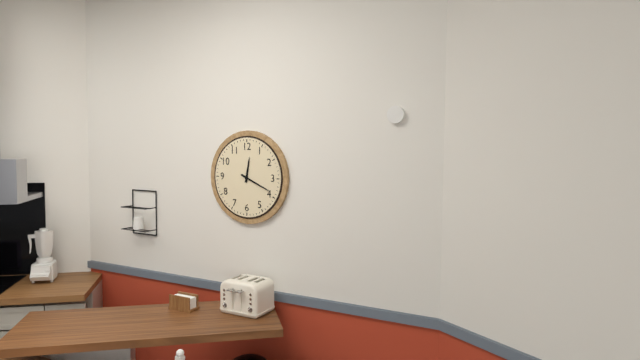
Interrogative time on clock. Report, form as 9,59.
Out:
12,19
